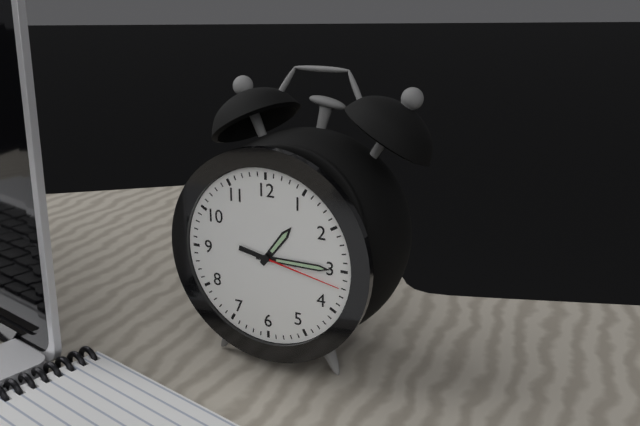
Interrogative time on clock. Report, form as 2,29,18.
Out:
1,15,17
